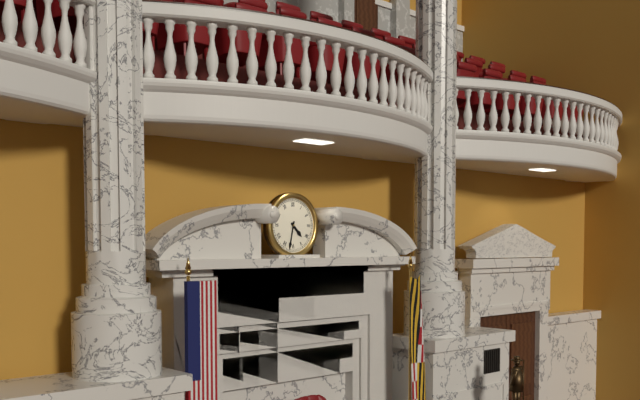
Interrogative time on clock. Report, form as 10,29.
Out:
4,32
